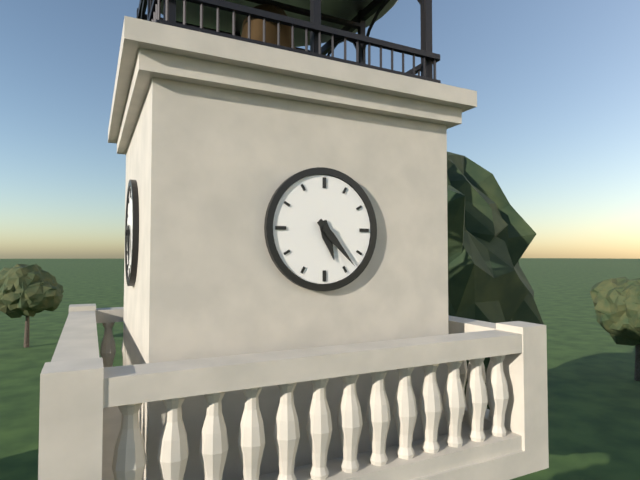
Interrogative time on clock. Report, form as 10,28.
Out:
5,23
